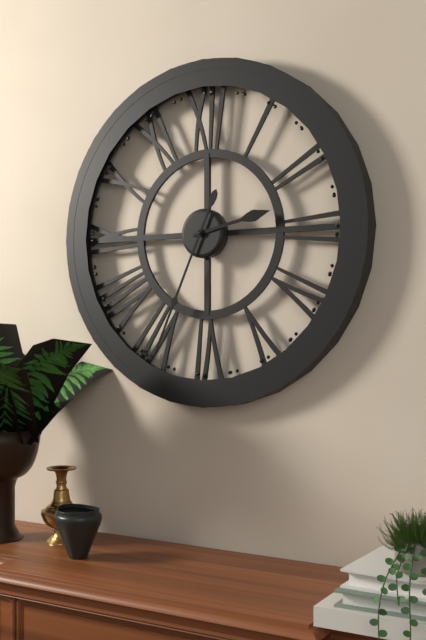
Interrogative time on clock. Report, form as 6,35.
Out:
2,34
